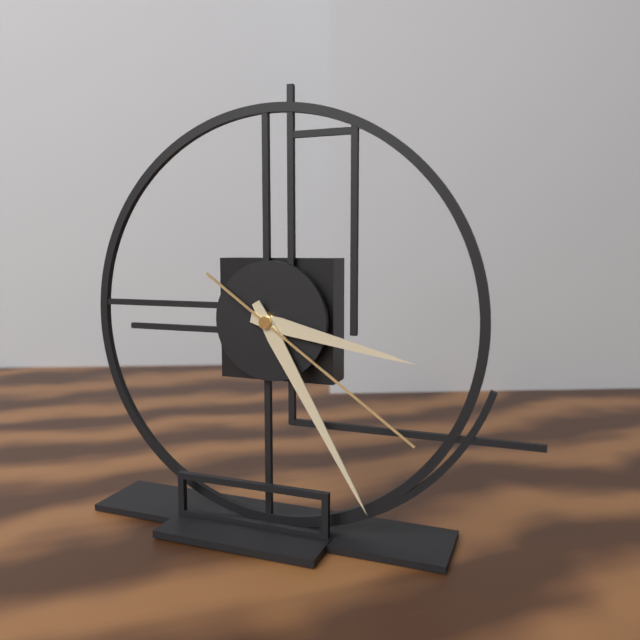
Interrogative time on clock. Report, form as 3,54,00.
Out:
3,25,21
